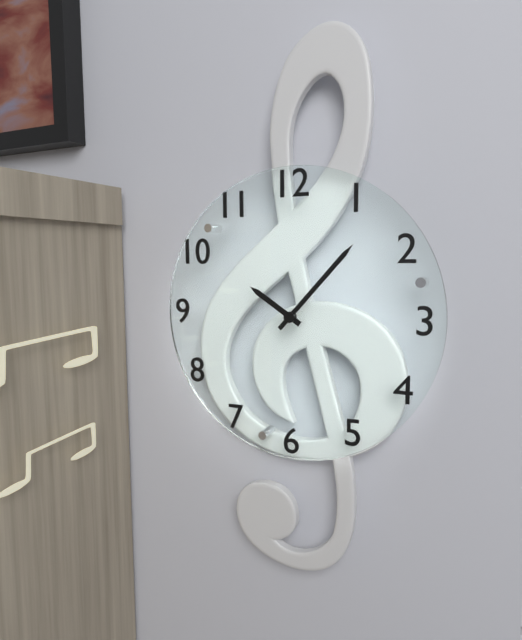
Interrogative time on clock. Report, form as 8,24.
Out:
10,07
